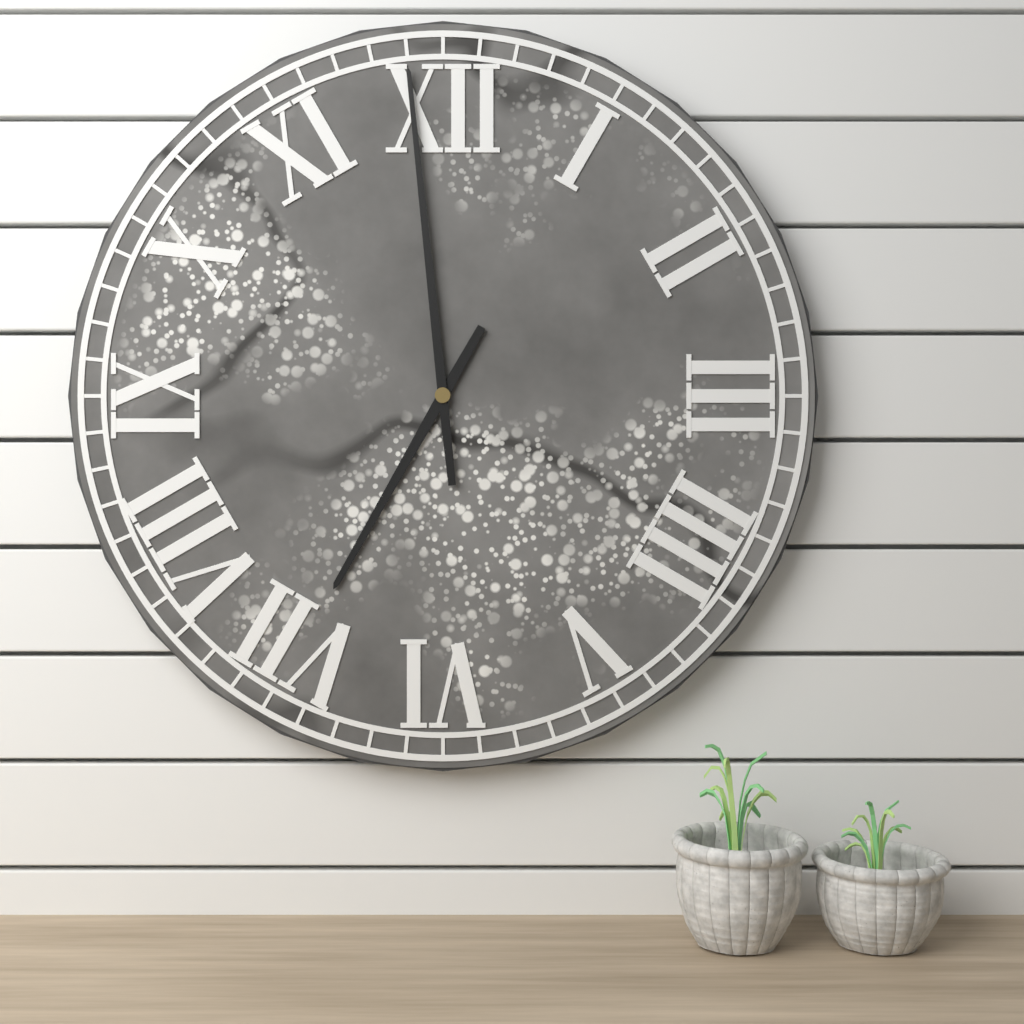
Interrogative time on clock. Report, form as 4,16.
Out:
6,59
